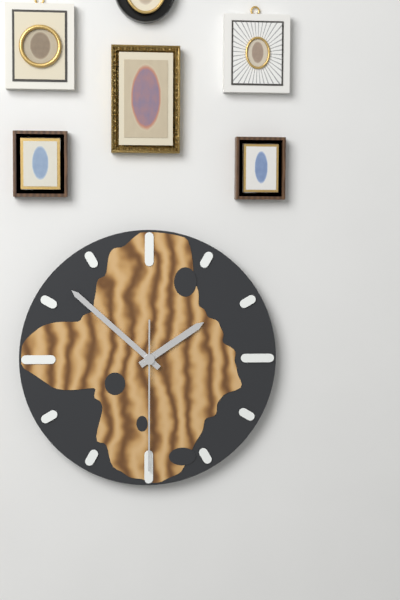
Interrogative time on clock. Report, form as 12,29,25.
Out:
1,52,30
